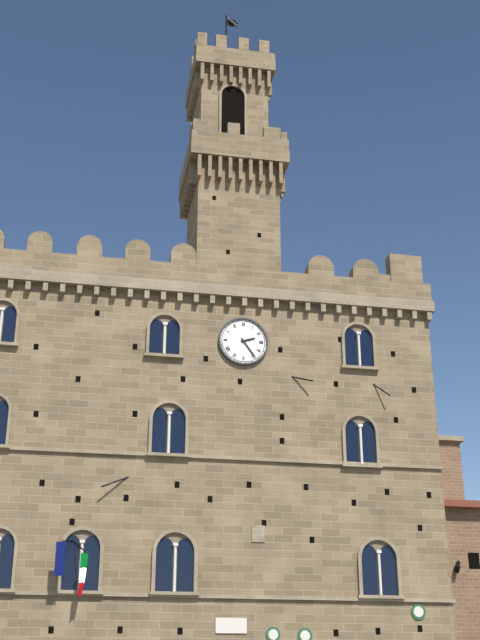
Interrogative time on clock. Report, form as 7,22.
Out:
2,24
